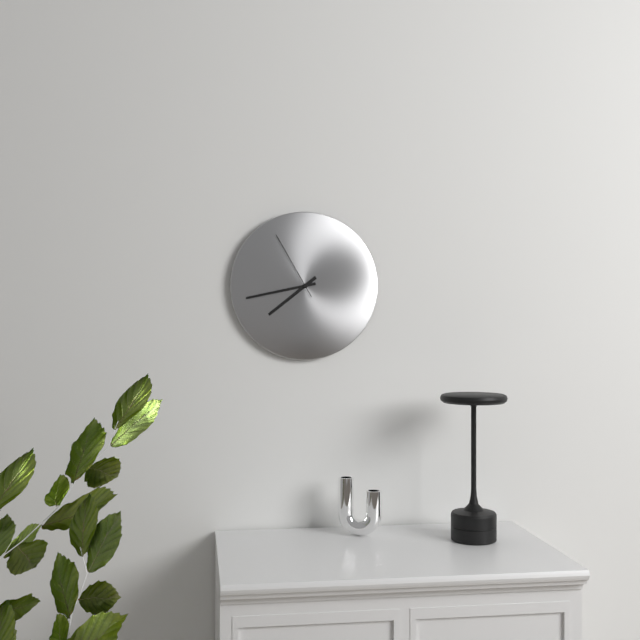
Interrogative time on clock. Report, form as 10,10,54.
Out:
7,43,55
